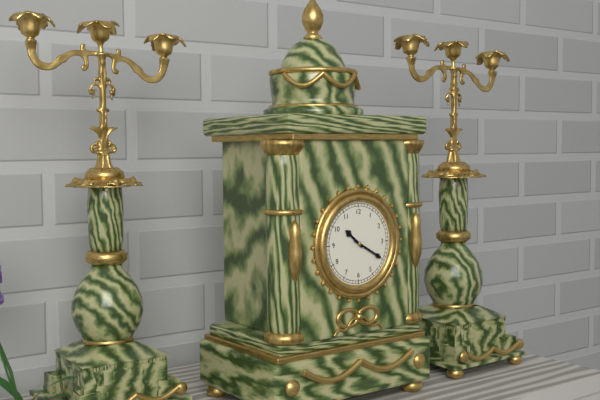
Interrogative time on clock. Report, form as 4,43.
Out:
10,20
